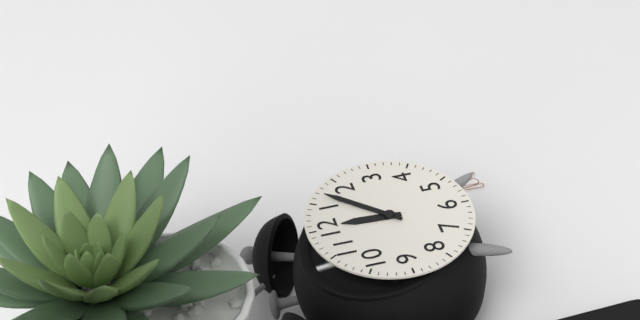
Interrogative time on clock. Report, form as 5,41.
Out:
12,07
